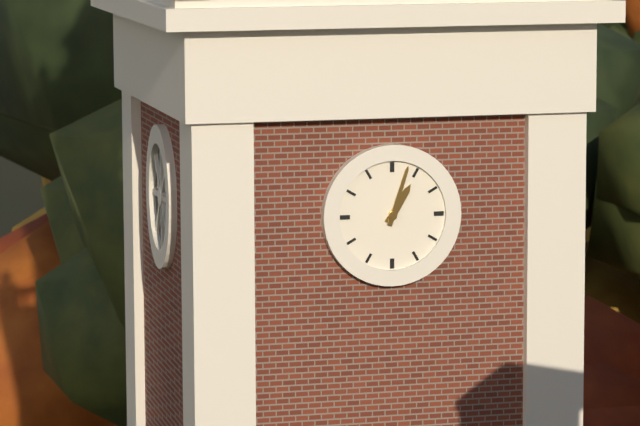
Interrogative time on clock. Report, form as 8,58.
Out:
1,03
